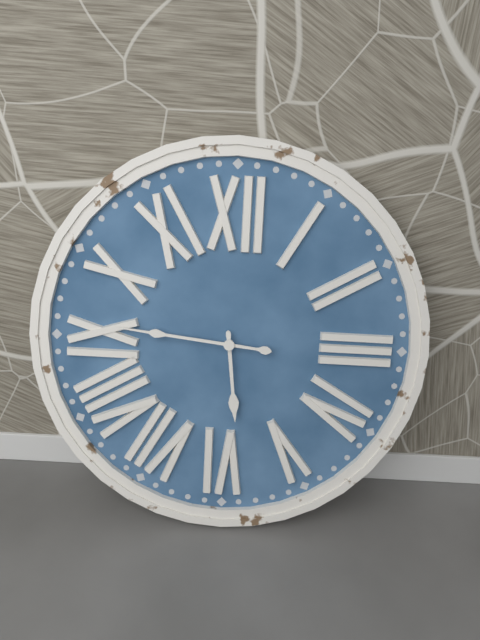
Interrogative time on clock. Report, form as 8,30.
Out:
5,46
